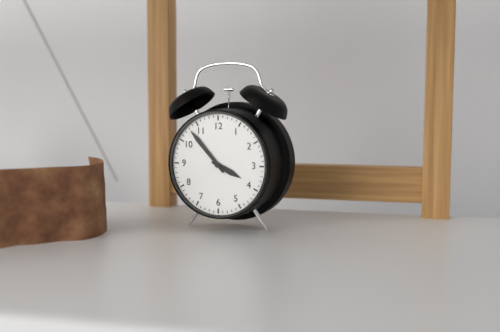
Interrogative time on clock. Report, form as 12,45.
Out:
3,53
